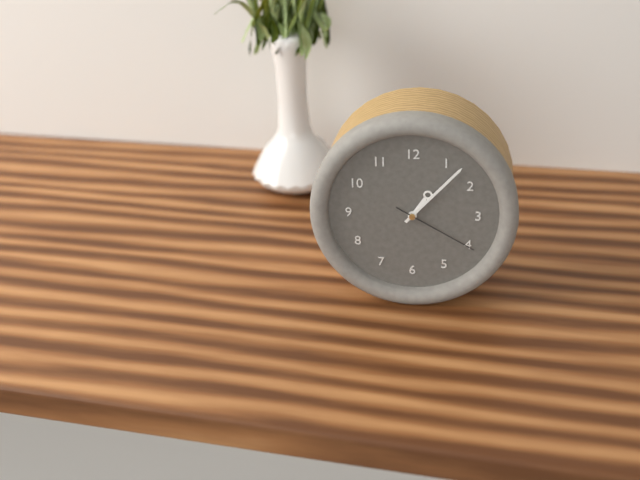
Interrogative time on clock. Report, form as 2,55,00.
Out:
1,07,20
